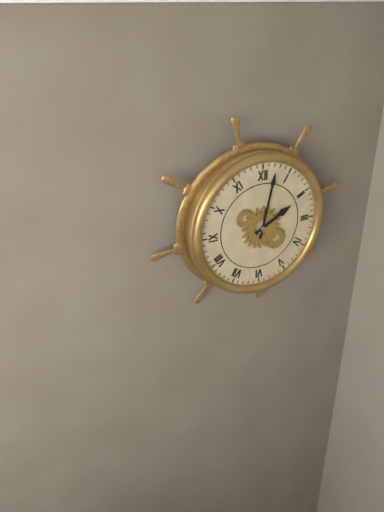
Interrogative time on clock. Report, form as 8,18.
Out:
2,02
